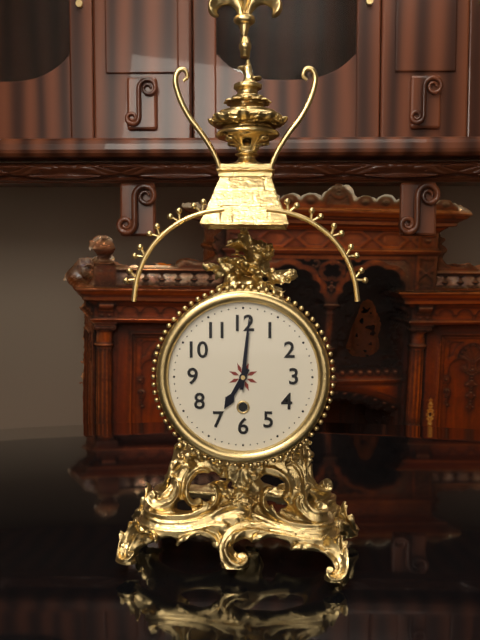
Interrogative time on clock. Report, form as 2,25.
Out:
7,01
